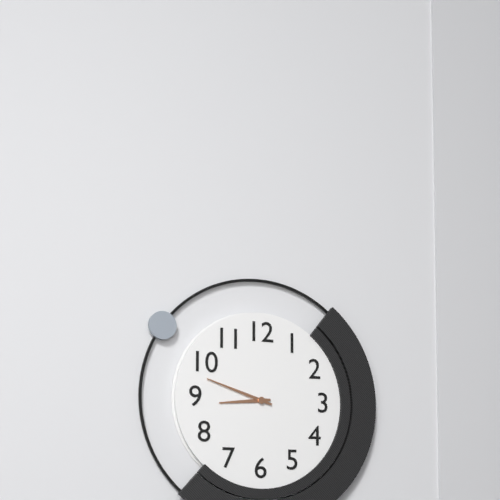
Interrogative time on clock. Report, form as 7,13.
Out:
8,48
